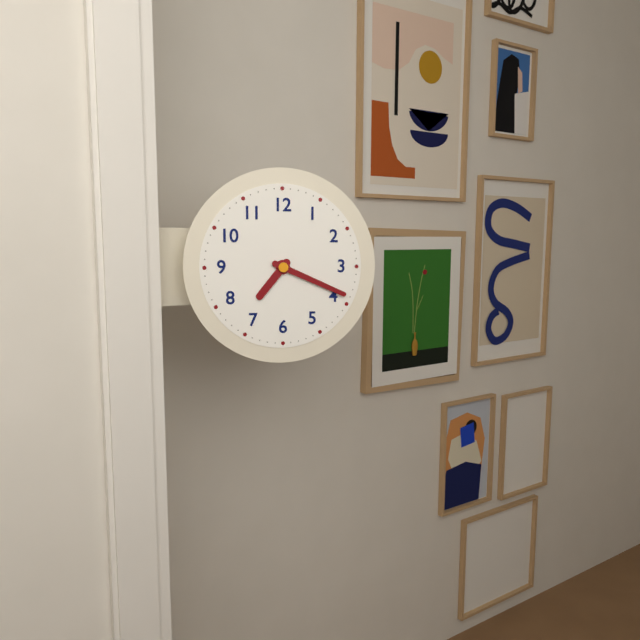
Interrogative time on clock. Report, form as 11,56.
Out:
7,19
